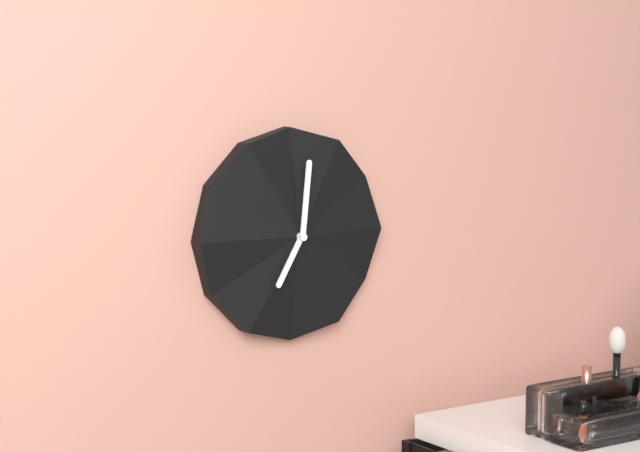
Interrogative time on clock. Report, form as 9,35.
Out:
7,01
